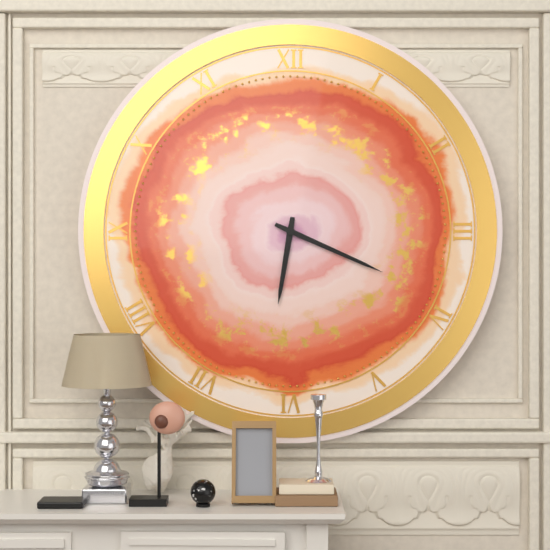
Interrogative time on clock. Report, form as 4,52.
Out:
6,19
